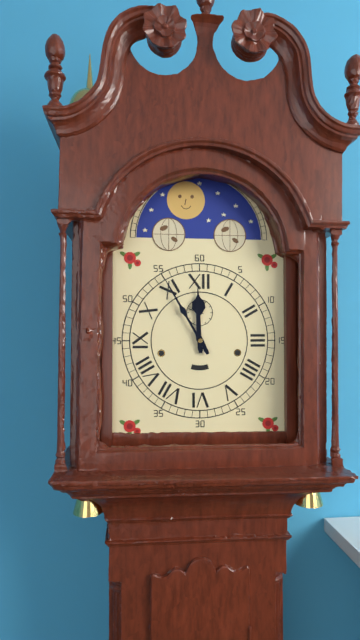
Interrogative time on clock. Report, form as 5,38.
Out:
11,55
